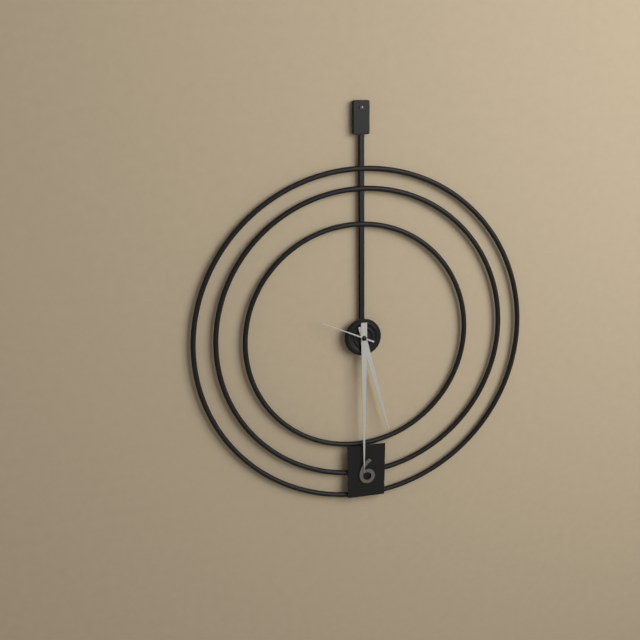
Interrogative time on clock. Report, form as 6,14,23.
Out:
5,30,49
